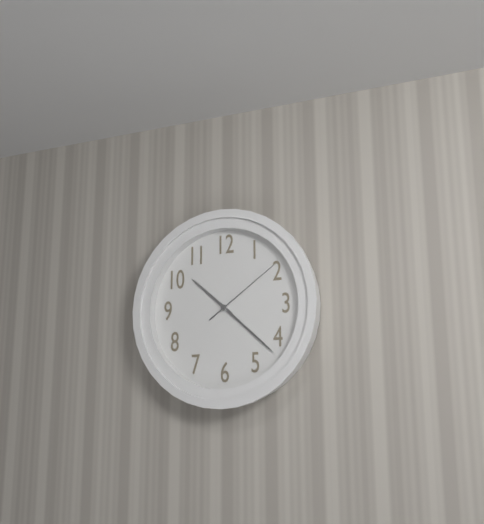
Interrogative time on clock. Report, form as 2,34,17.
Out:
10,22,09
